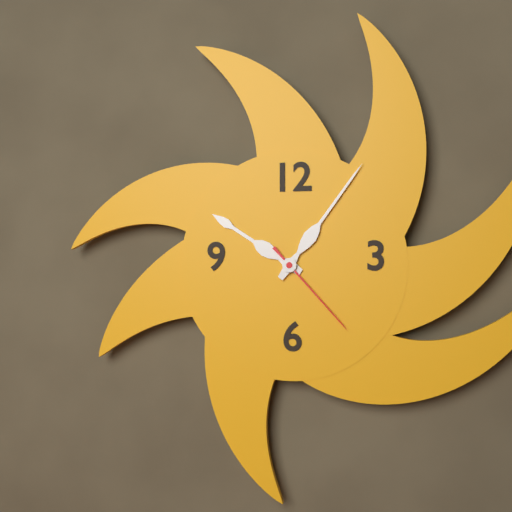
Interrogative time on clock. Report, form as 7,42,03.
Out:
10,06,23
